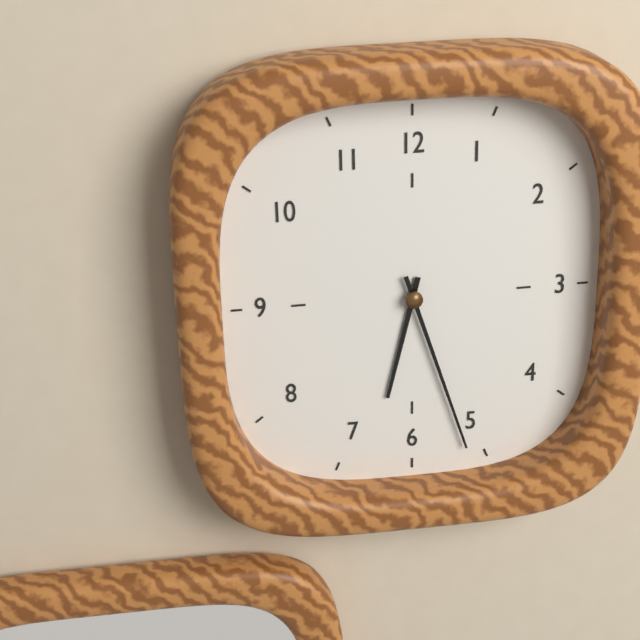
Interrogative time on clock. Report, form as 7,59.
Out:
6,27
